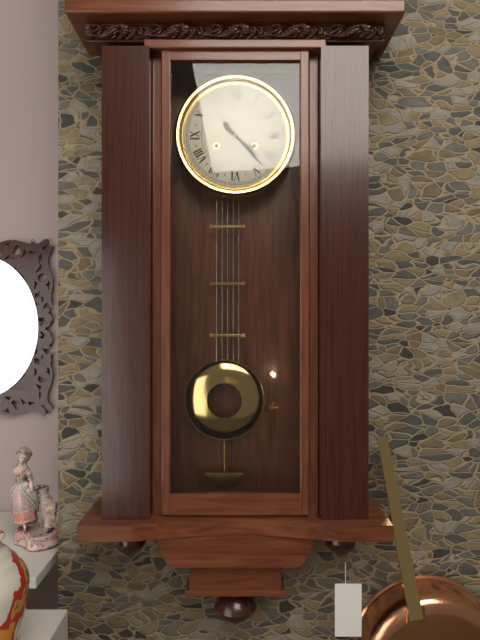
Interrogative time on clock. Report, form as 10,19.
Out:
4,23
